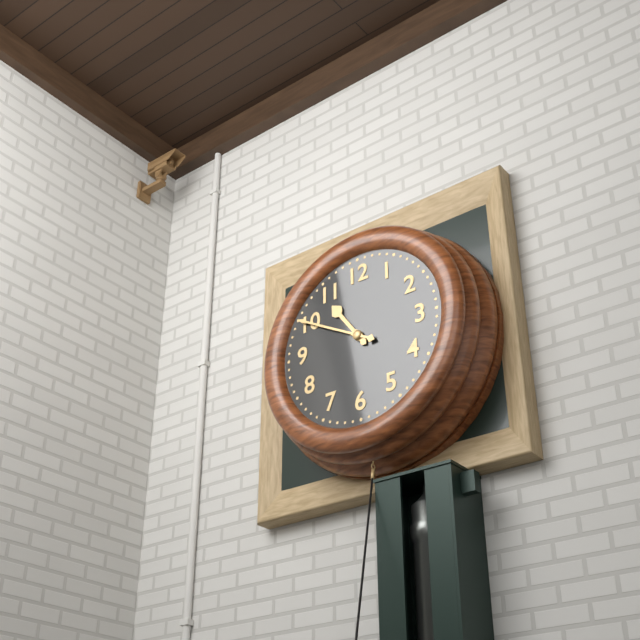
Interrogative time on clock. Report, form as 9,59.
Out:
10,50
